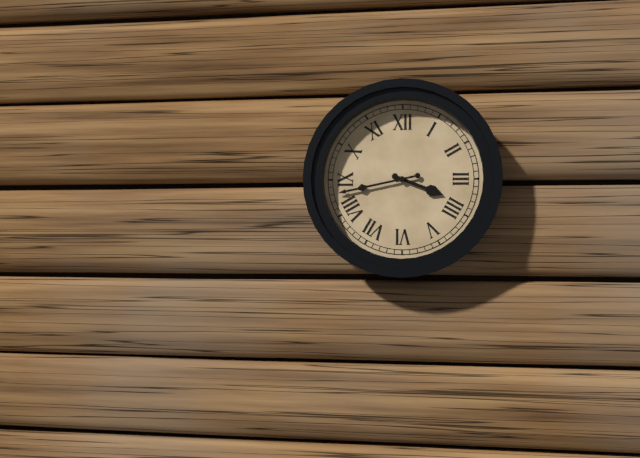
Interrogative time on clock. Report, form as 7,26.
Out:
3,43
